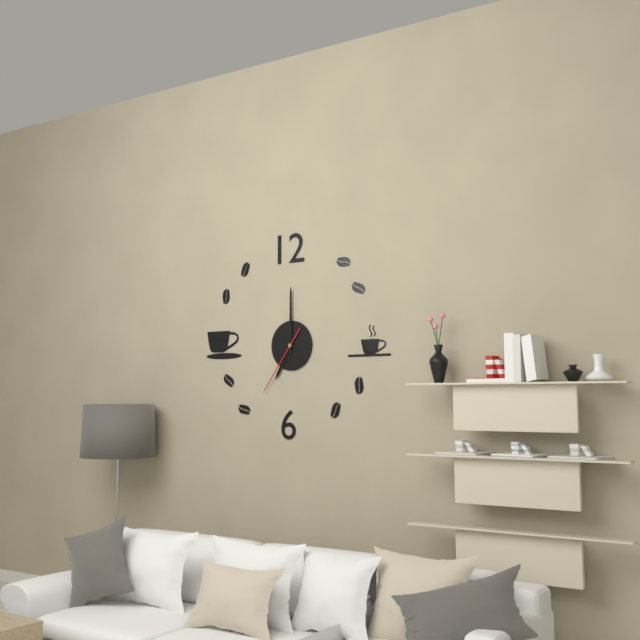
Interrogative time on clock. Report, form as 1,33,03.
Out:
7,00,36
